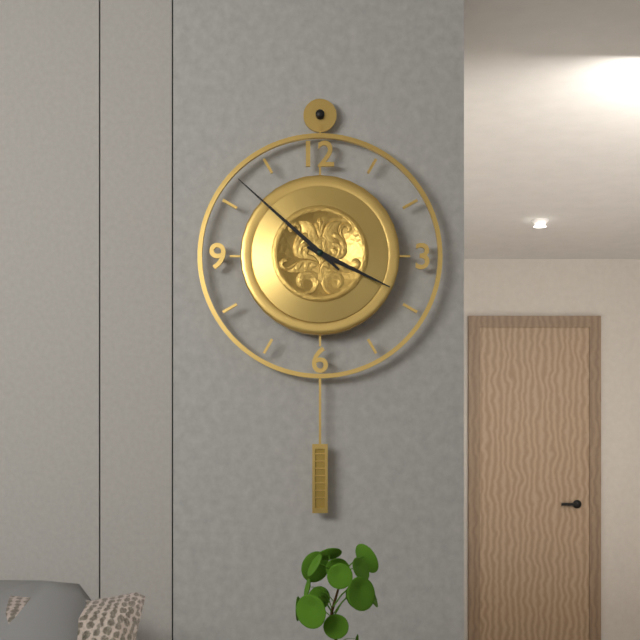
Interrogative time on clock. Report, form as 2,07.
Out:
3,52
